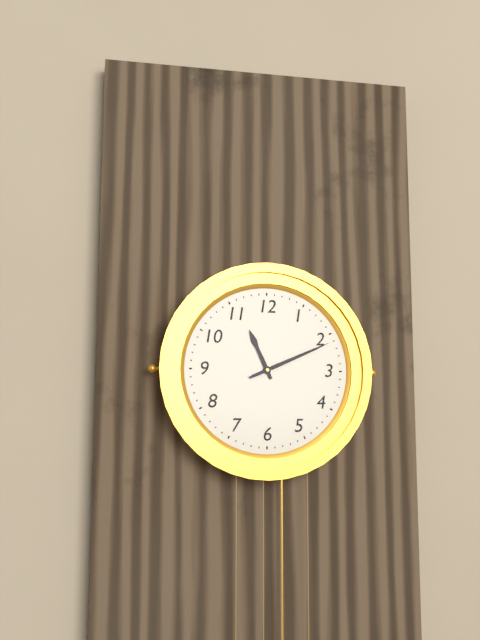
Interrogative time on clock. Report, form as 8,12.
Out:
11,11
